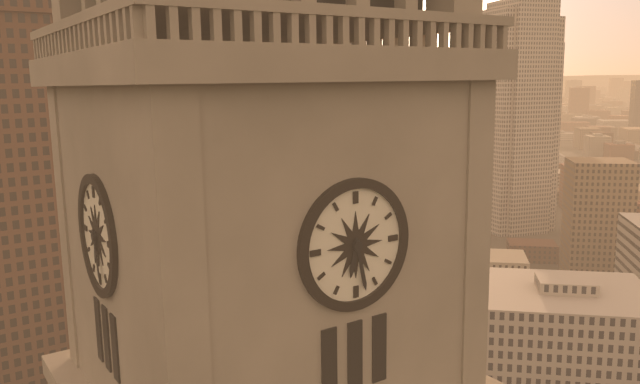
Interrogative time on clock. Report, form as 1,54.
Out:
6,28
